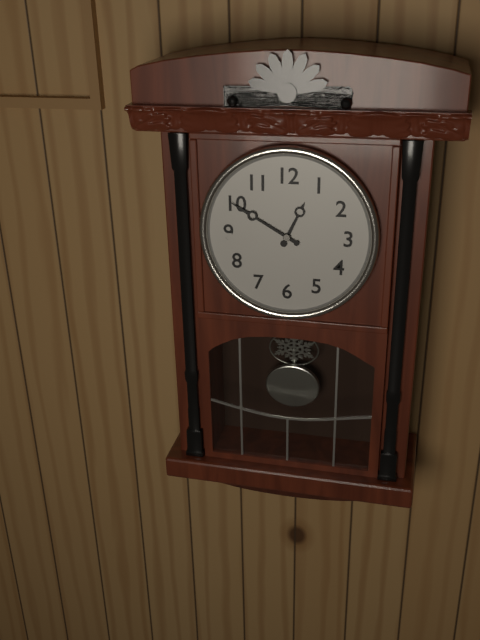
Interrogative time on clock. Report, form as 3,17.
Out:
12,50
